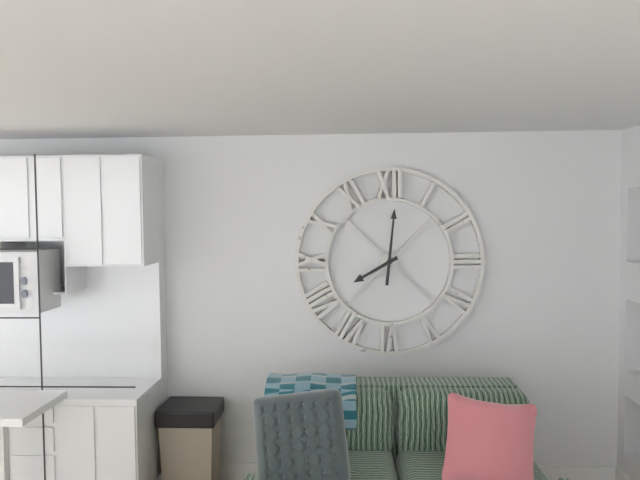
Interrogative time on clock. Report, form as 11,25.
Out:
8,01
